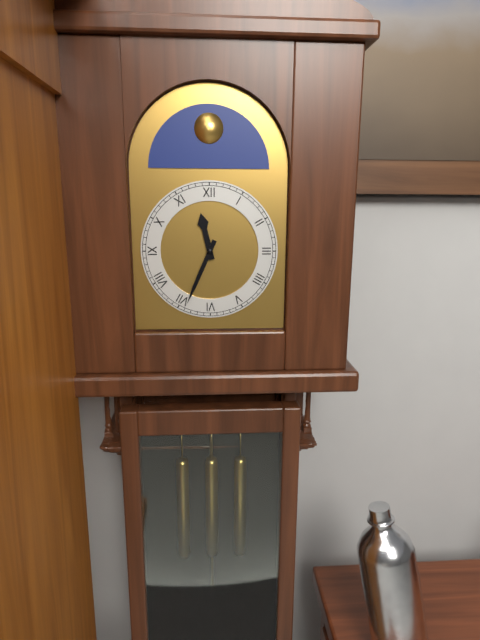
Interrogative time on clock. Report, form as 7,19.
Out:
11,34
